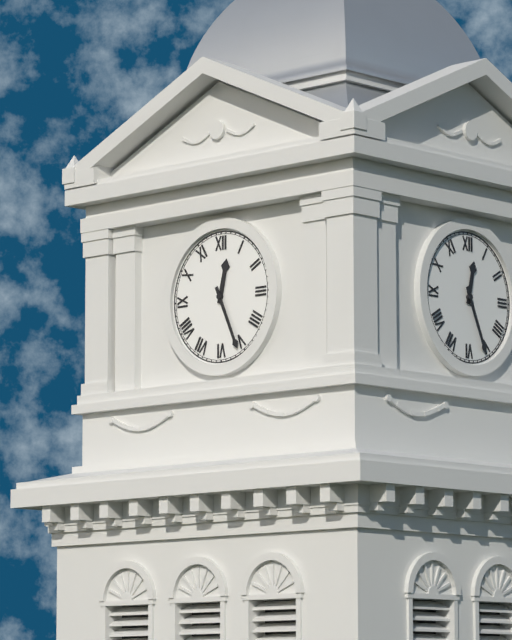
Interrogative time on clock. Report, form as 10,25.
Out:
12,26
